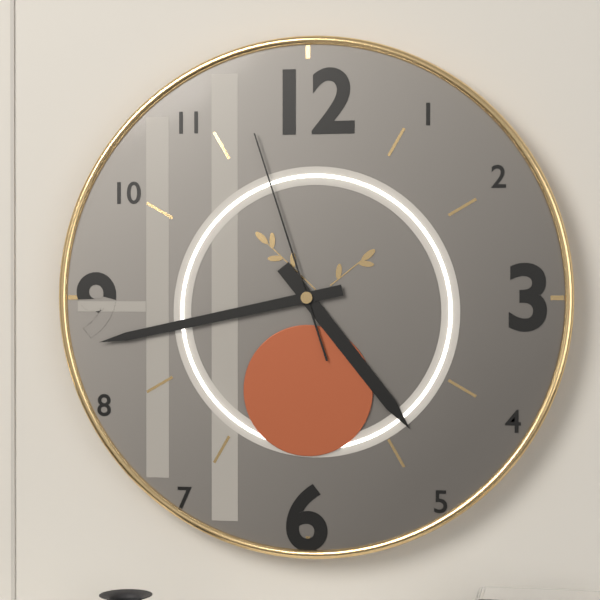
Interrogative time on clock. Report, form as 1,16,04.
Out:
4,43,57
